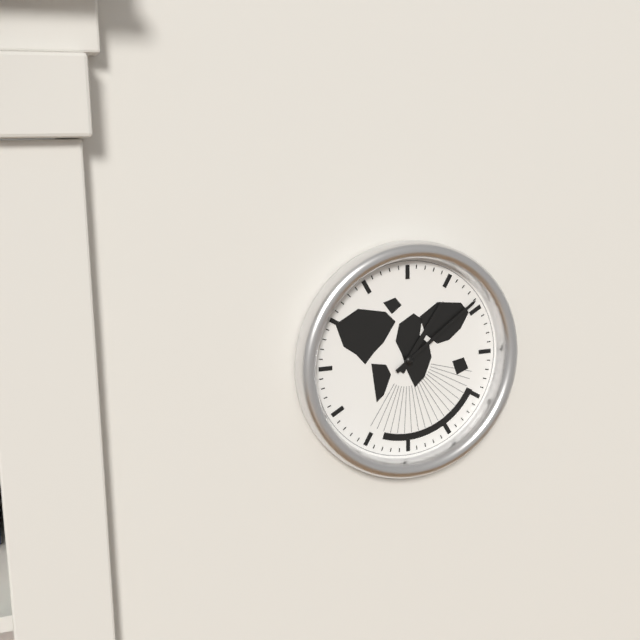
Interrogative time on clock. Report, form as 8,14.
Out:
1,09
